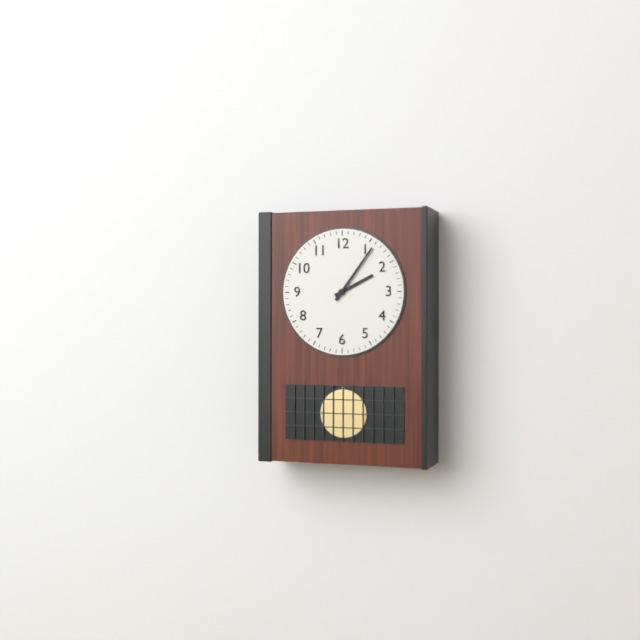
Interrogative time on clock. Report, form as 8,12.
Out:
2,06
